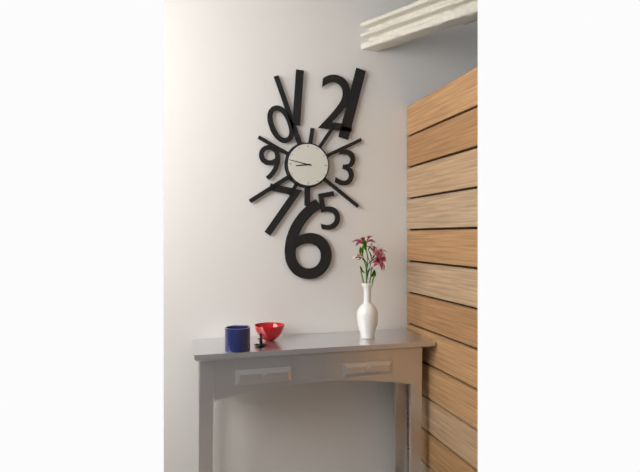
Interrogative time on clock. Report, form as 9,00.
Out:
8,47
